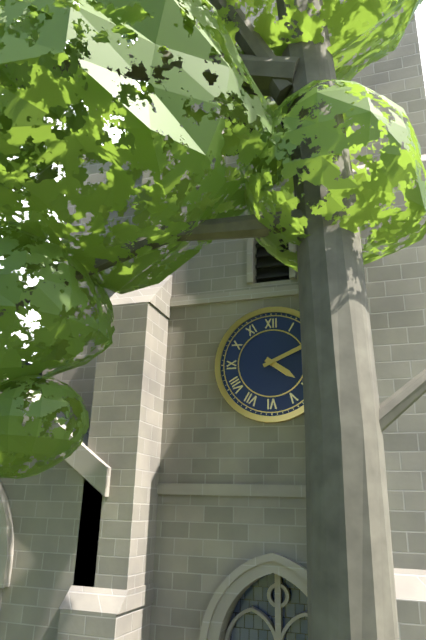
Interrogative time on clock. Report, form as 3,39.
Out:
4,11
